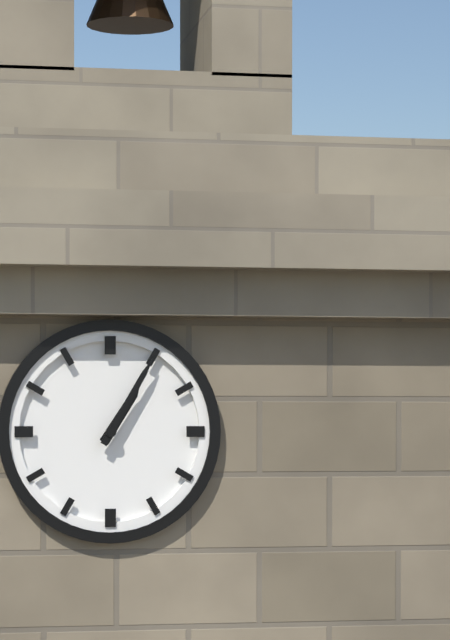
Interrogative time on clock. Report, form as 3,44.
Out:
1,05
